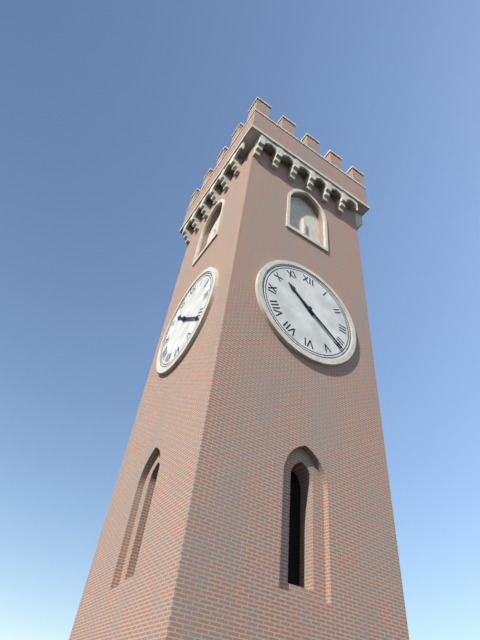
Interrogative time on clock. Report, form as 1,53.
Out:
10,21
